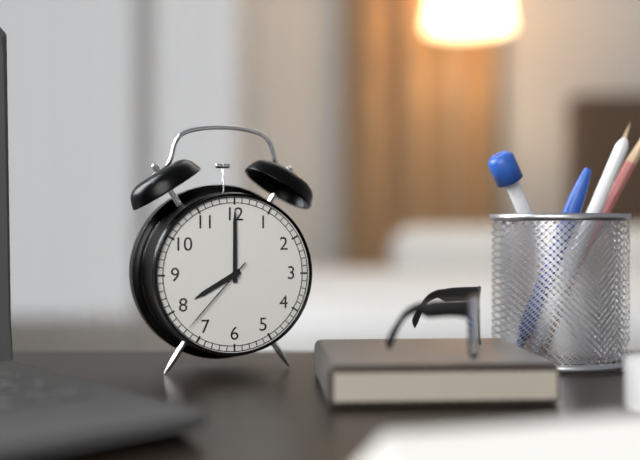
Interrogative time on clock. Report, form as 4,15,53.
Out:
8,00,37
